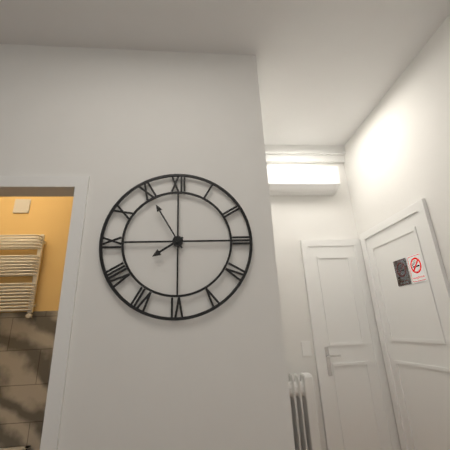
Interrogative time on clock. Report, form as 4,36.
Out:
7,55
